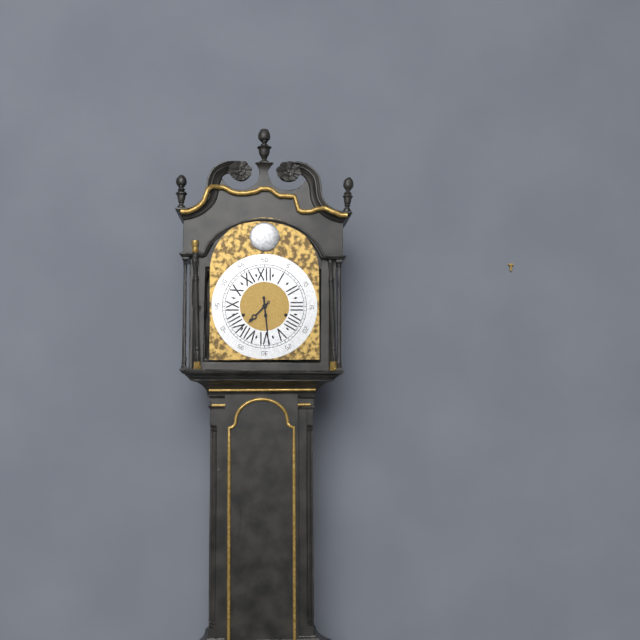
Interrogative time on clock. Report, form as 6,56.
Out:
7,29
